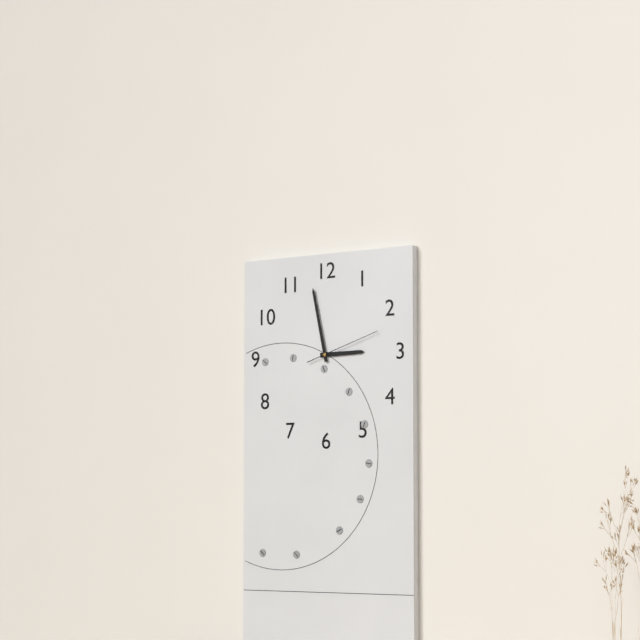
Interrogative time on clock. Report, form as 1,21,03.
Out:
2,58,12
